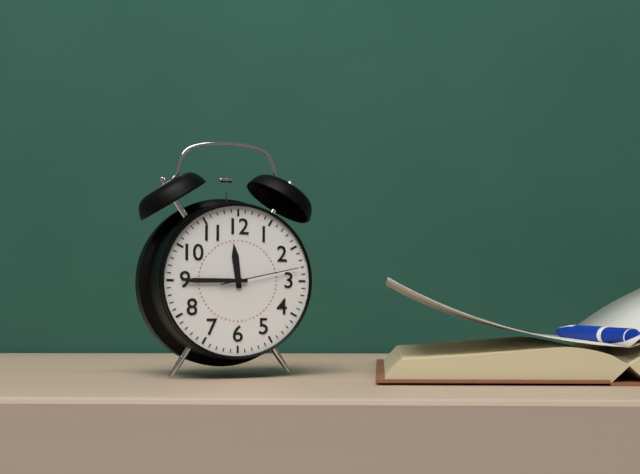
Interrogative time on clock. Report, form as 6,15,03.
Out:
11,45,13
